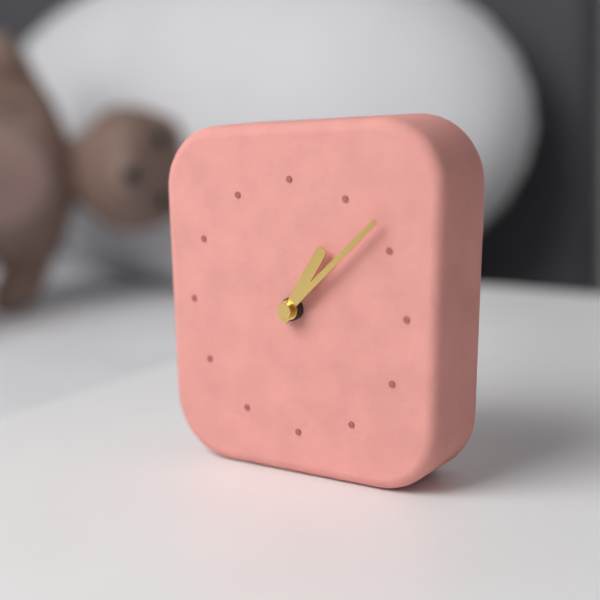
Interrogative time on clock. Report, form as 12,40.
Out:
1,08
